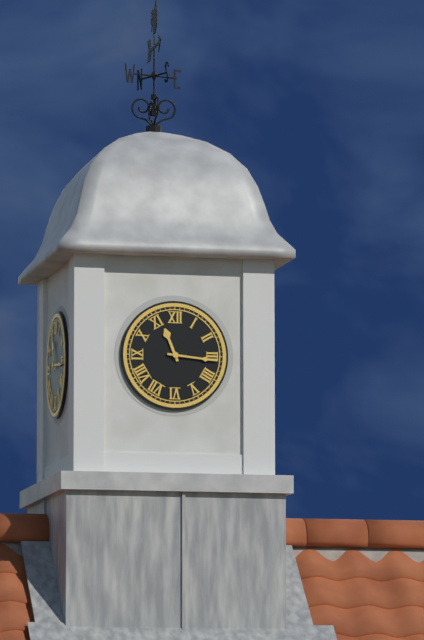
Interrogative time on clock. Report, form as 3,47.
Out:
11,16
